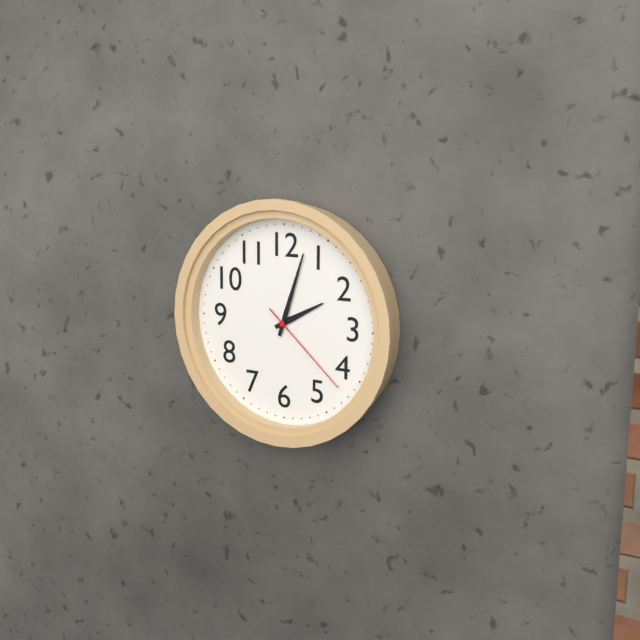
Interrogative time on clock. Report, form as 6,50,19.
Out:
2,03,22
